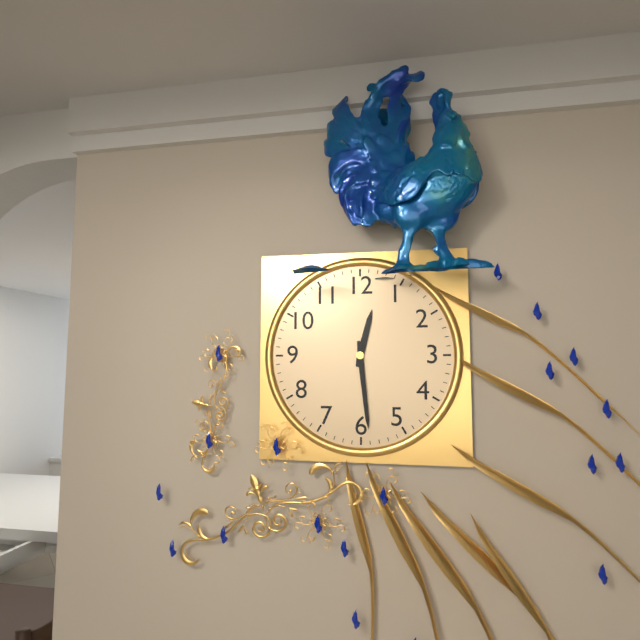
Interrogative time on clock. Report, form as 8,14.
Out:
12,29
